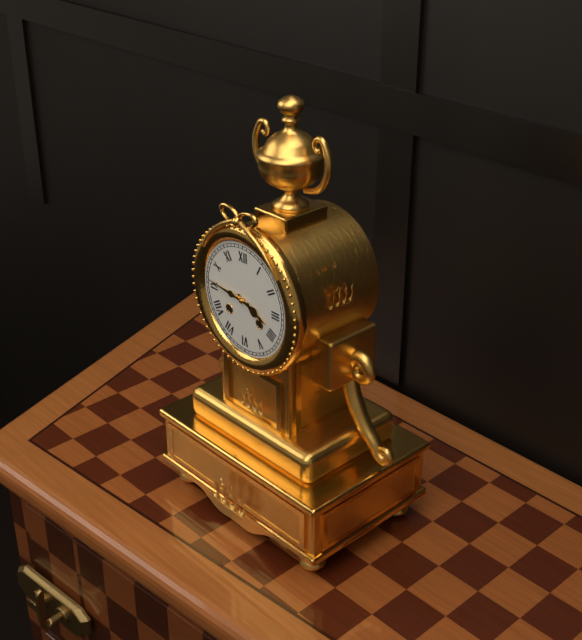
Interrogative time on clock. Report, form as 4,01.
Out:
3,46
